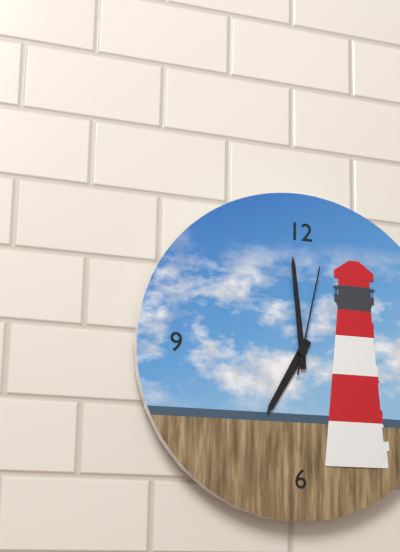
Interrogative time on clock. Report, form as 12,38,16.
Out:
6,59,02
